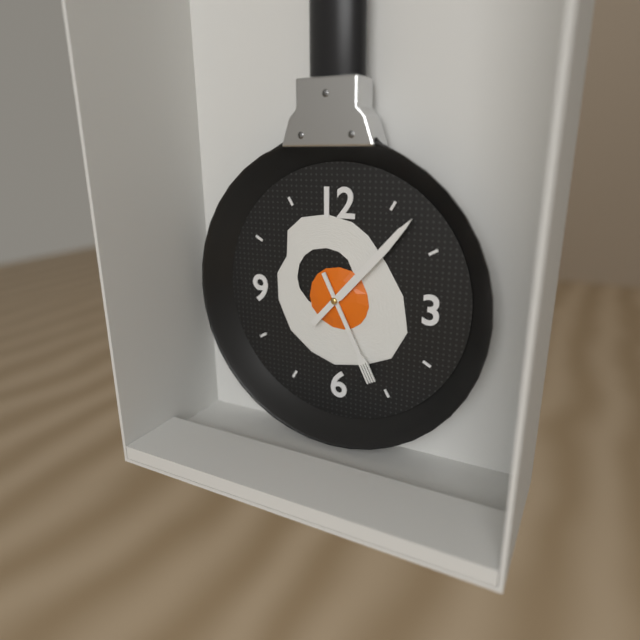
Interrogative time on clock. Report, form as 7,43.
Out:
5,07
